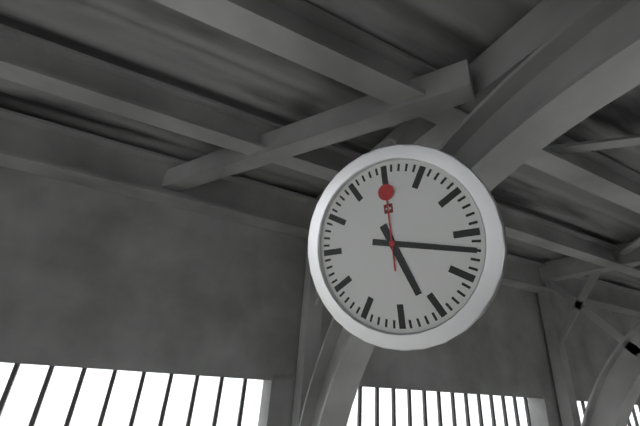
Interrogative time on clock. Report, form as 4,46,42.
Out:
5,17,00
